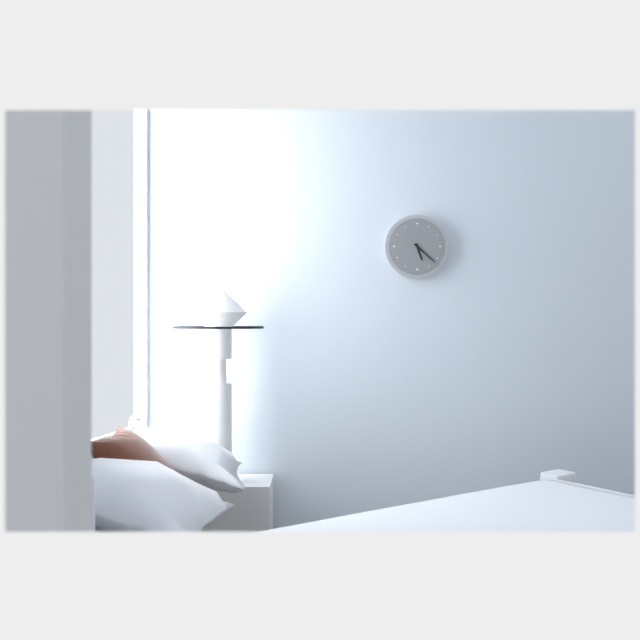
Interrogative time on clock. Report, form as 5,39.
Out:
5,22
